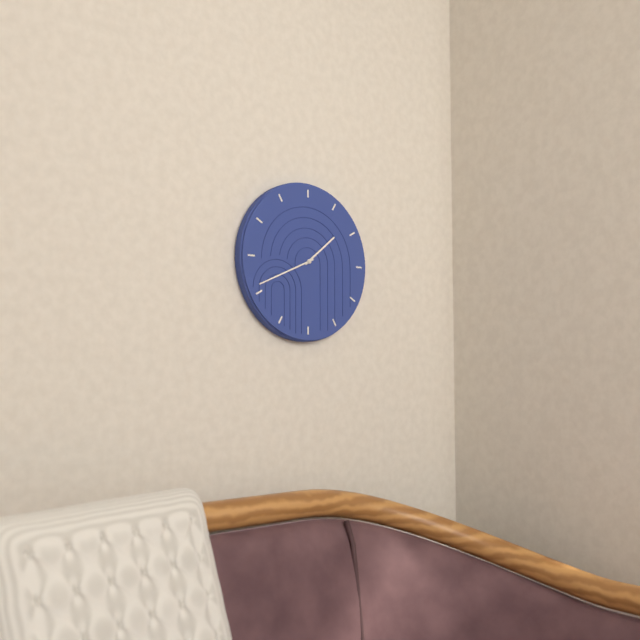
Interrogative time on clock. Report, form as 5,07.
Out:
1,41
